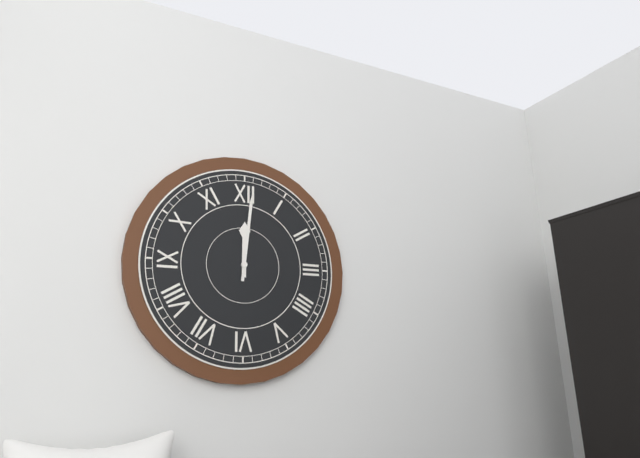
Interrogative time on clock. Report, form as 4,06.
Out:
12,01
